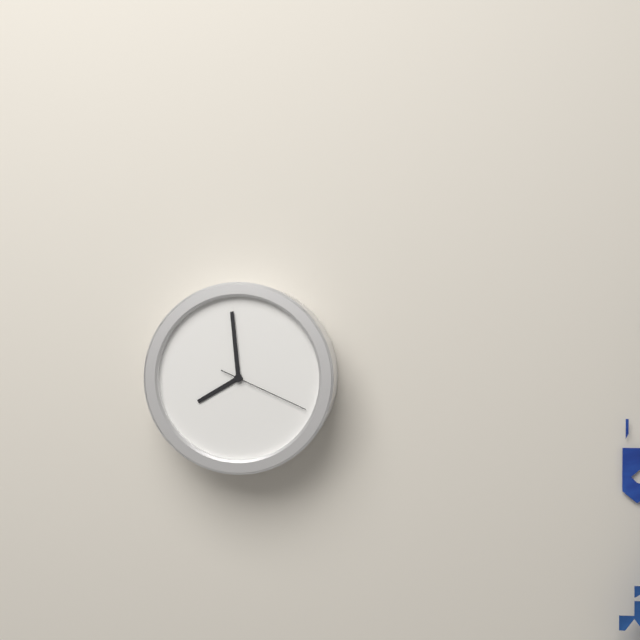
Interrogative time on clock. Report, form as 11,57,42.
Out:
7,59,19
